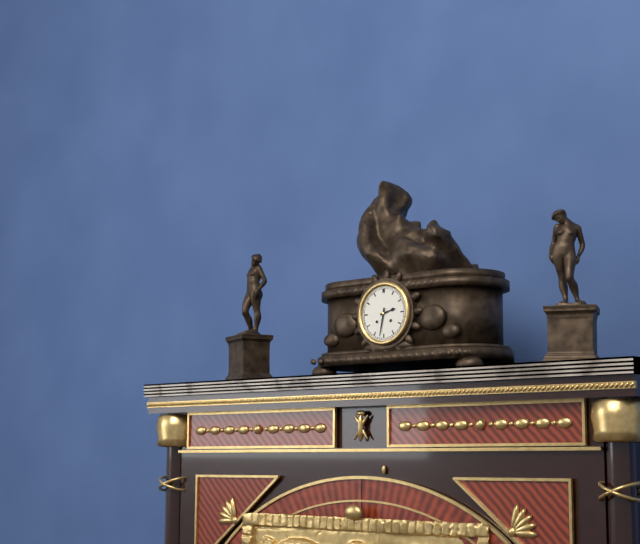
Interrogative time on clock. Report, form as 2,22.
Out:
2,32
